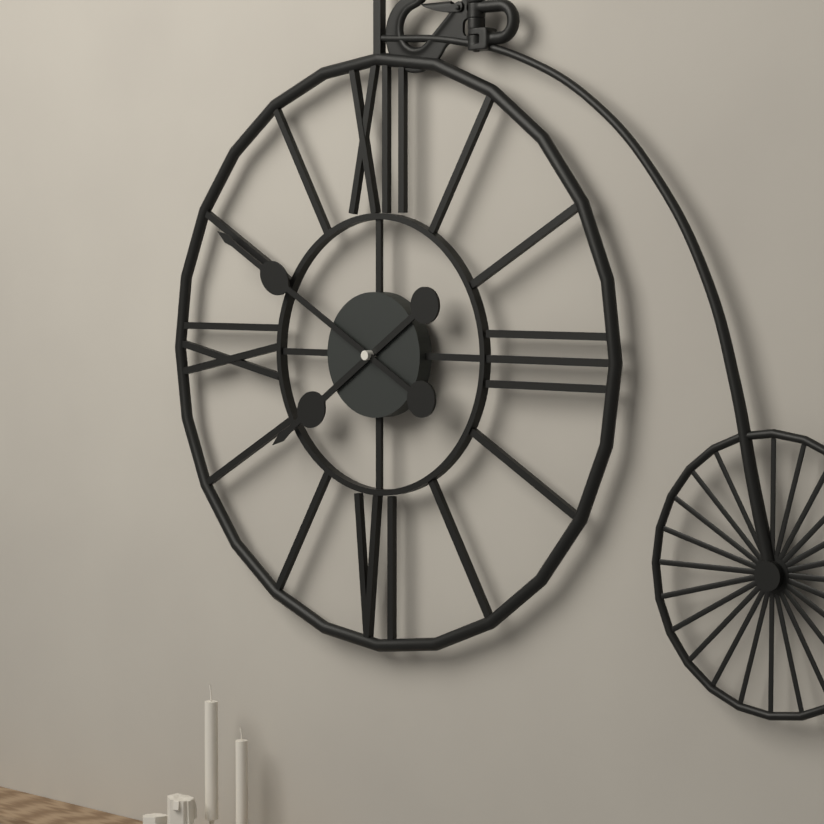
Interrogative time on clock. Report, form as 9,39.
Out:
7,50
